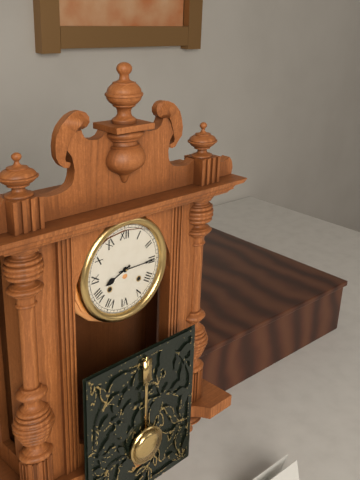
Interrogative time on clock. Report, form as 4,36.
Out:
8,15
